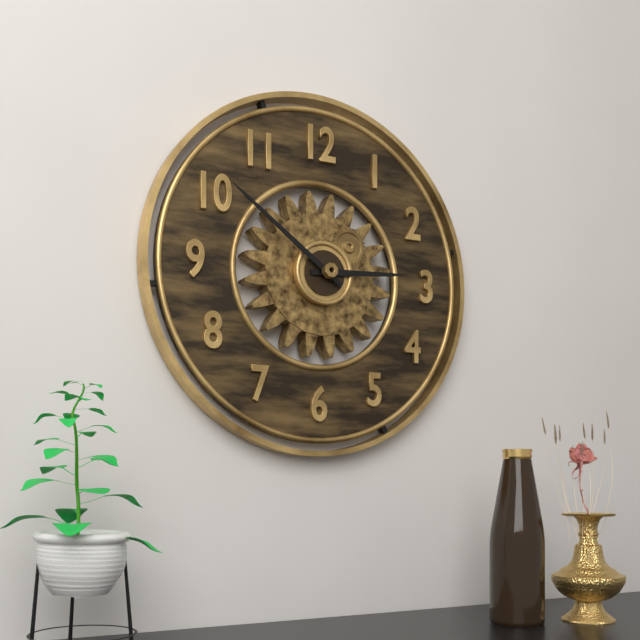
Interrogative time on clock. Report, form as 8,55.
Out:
2,51
